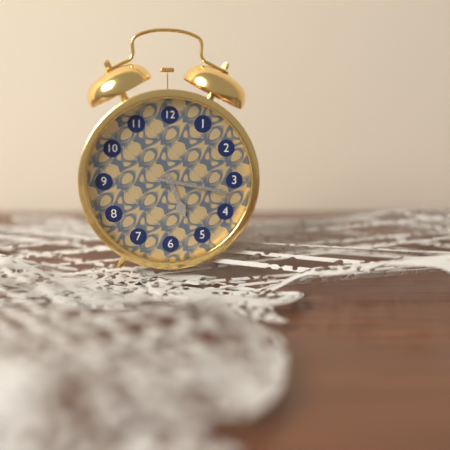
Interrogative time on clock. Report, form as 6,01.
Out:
5,17
